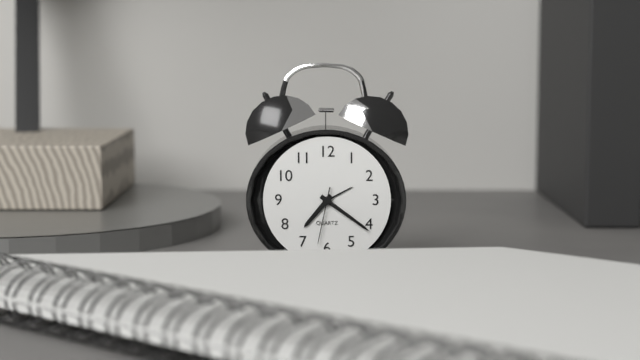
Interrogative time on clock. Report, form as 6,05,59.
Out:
7,21,32
